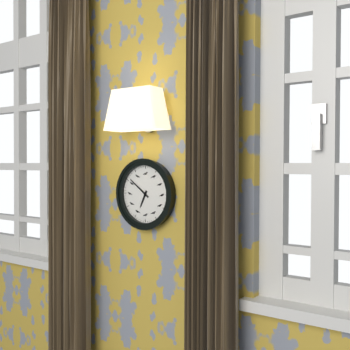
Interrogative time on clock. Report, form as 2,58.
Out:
6,51
